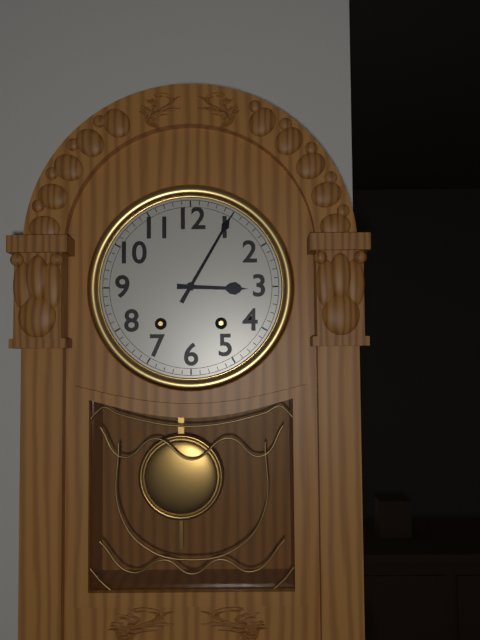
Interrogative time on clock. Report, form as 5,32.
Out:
3,05
